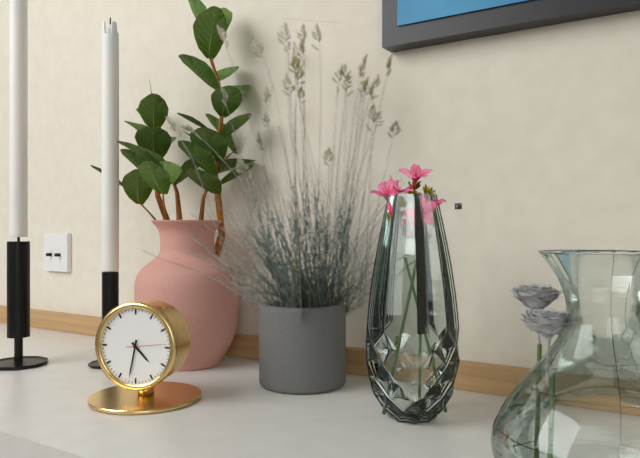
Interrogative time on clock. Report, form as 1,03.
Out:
4,32
